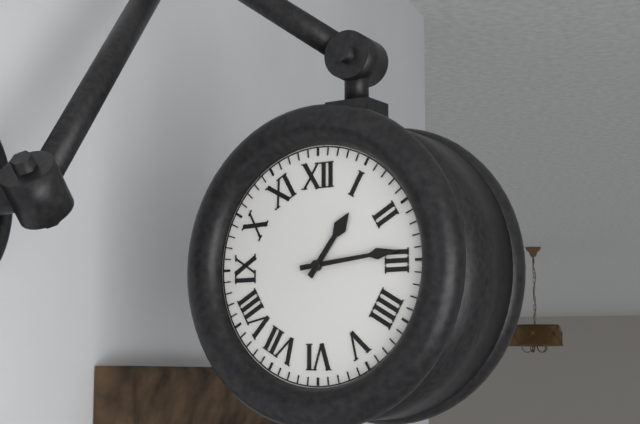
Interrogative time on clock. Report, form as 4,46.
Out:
1,14
